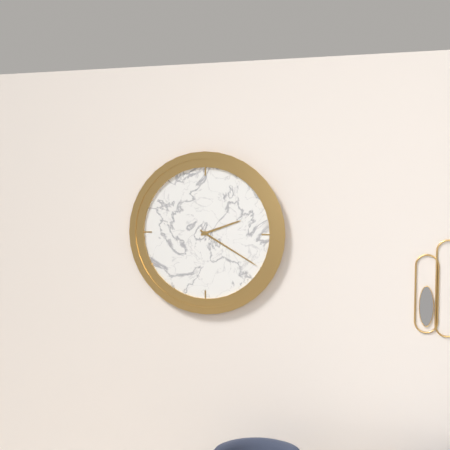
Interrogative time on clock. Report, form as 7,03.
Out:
2,20
